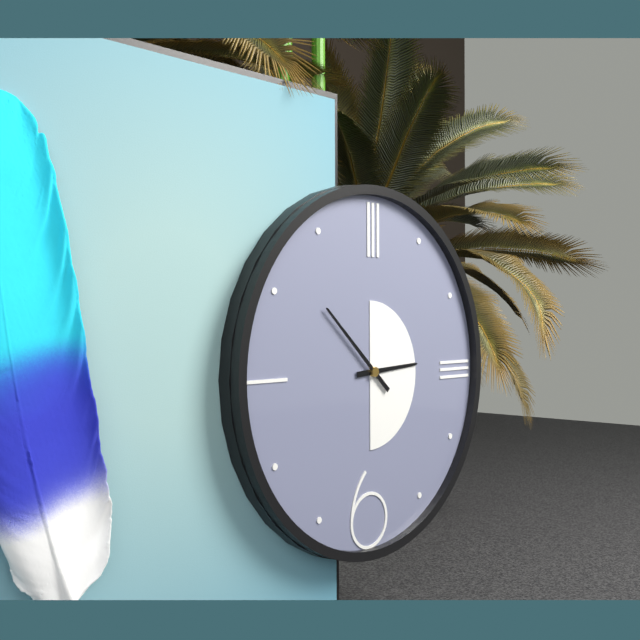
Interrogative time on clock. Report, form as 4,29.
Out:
2,52
